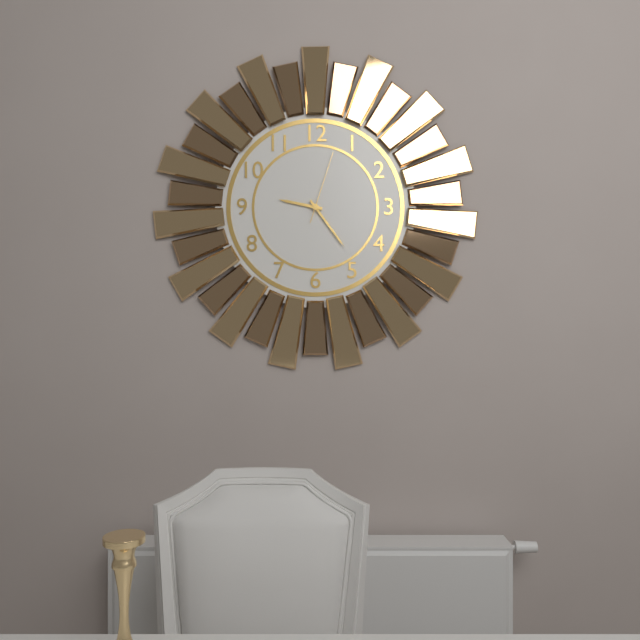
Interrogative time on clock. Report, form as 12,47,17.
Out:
9,24,03
